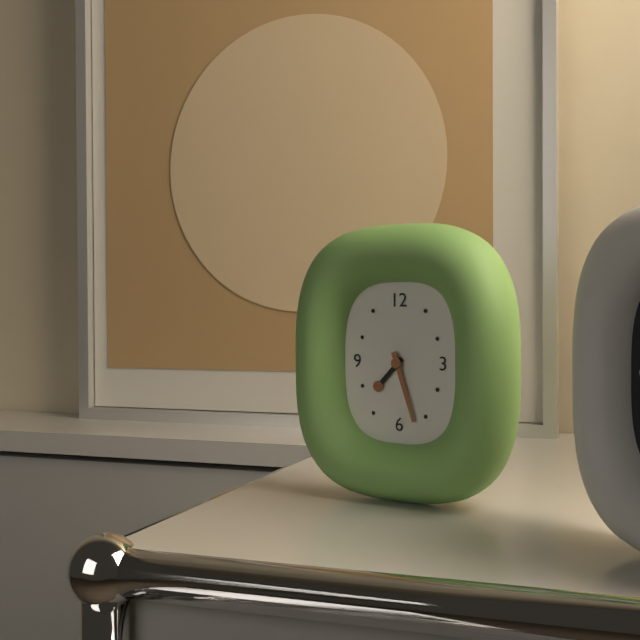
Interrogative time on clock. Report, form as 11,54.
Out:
7,27
